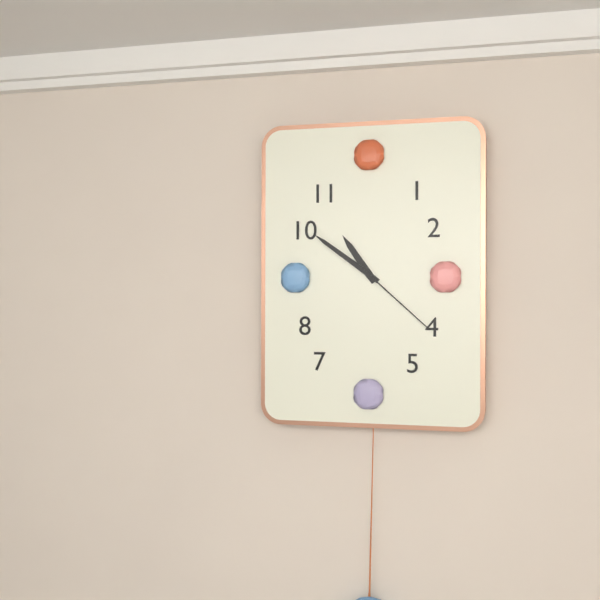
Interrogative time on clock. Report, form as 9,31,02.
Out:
10,51,22
